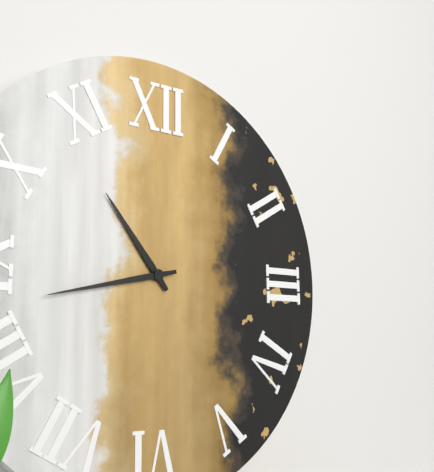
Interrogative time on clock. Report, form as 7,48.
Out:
10,43
